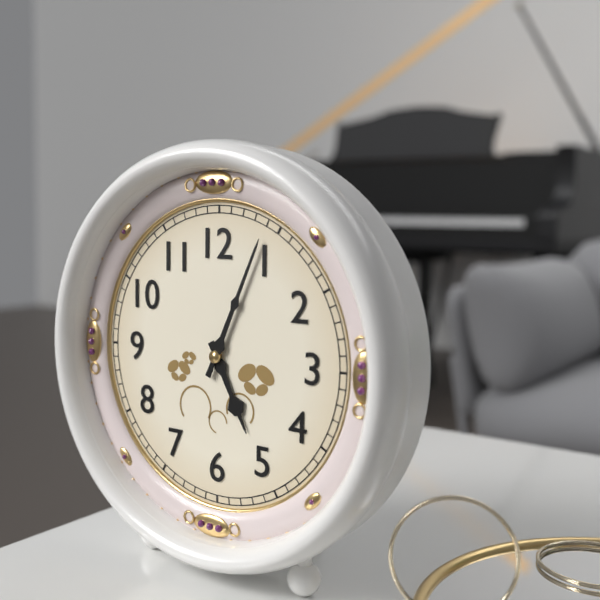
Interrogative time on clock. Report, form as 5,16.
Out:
5,04
